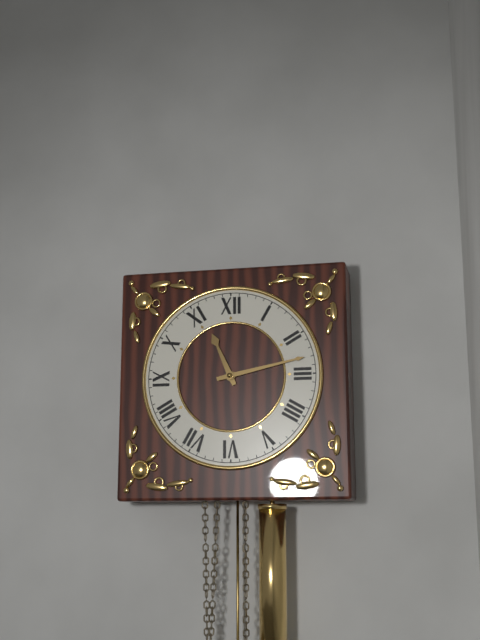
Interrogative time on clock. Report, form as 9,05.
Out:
11,13
